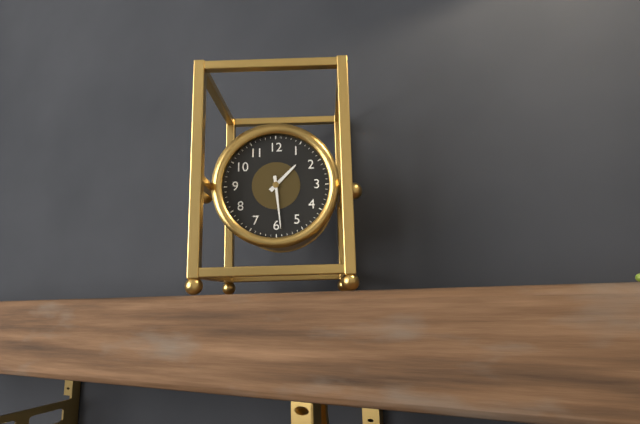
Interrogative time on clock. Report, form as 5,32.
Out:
1,29
